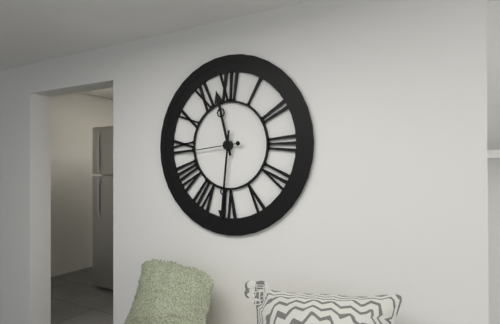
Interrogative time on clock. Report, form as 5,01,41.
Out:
11,31,44
